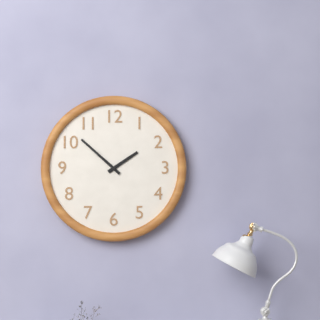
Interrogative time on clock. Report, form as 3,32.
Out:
1,52
